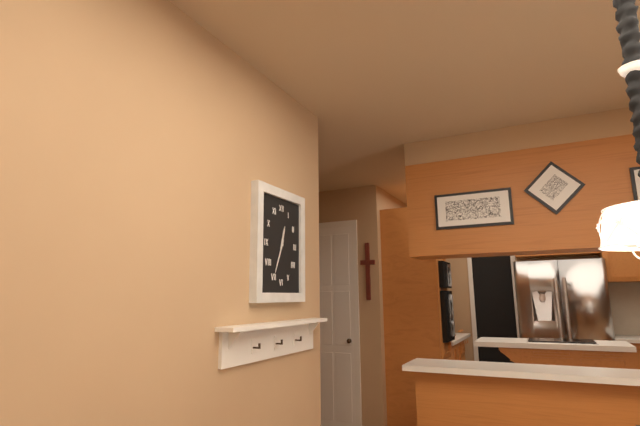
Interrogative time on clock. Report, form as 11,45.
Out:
12,34
